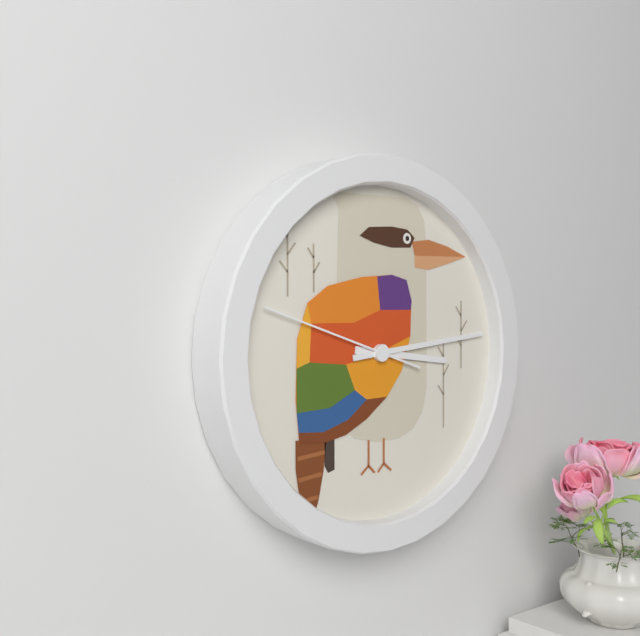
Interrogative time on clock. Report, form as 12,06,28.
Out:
3,14,48
